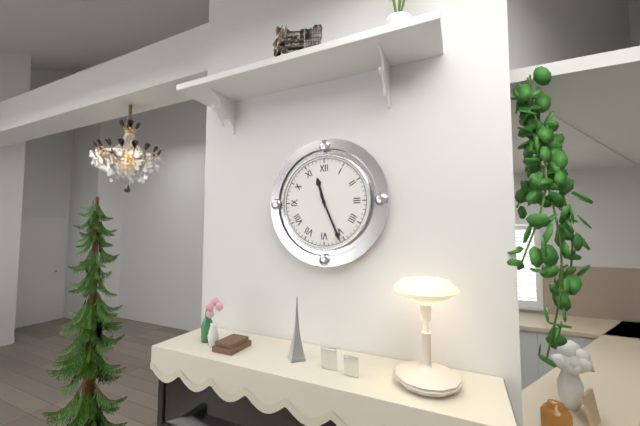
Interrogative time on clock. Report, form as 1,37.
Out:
11,26
